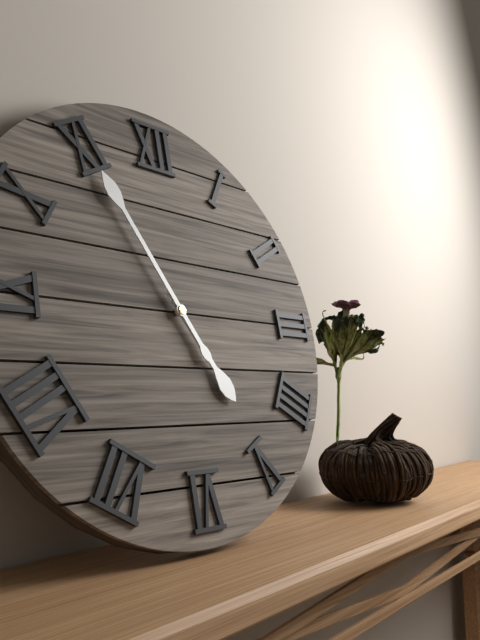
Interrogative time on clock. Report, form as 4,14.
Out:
4,55
